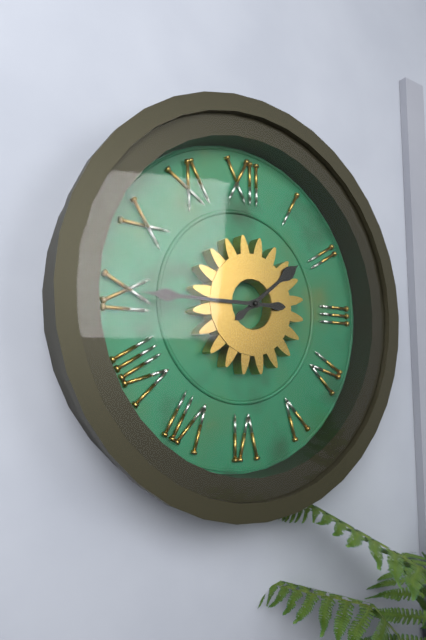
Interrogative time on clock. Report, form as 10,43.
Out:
1,45
